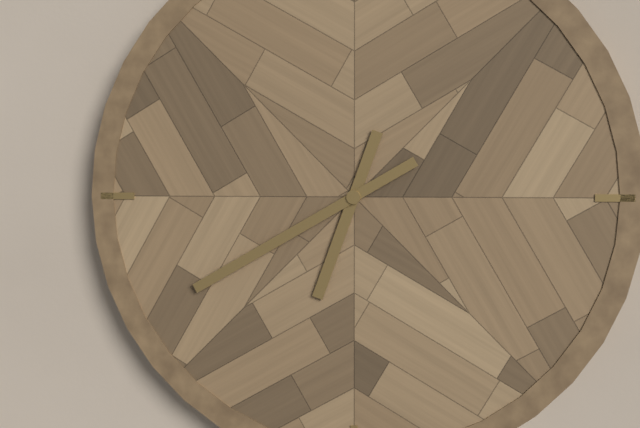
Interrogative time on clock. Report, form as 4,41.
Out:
6,40
